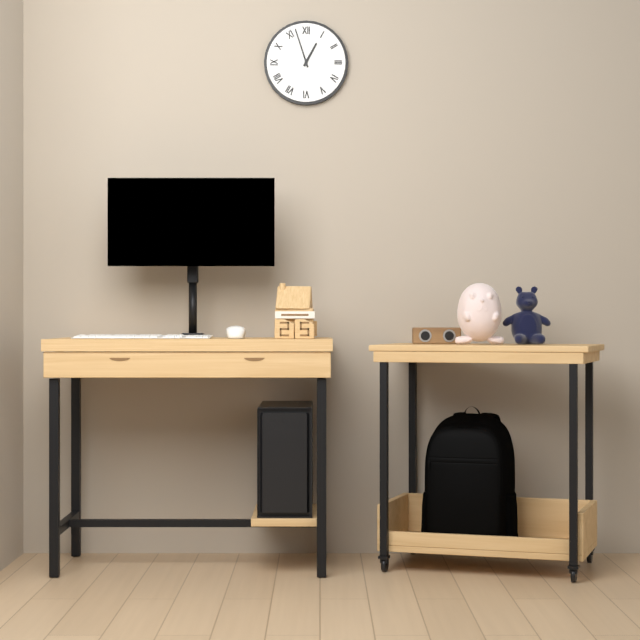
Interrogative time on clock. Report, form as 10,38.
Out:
12,57
